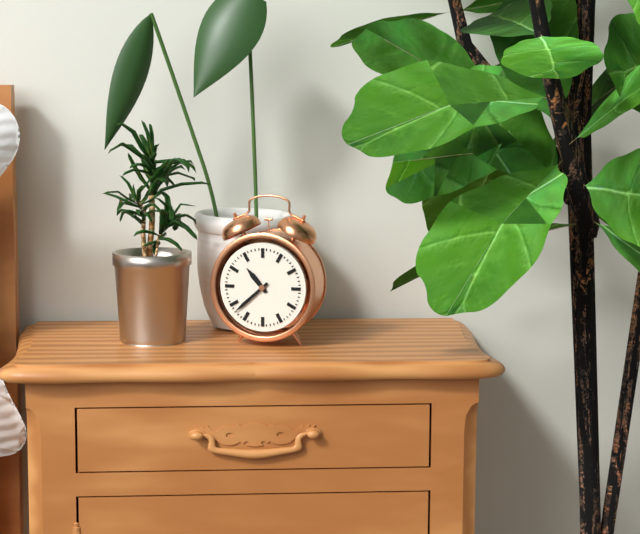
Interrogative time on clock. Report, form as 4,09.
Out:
10,38
